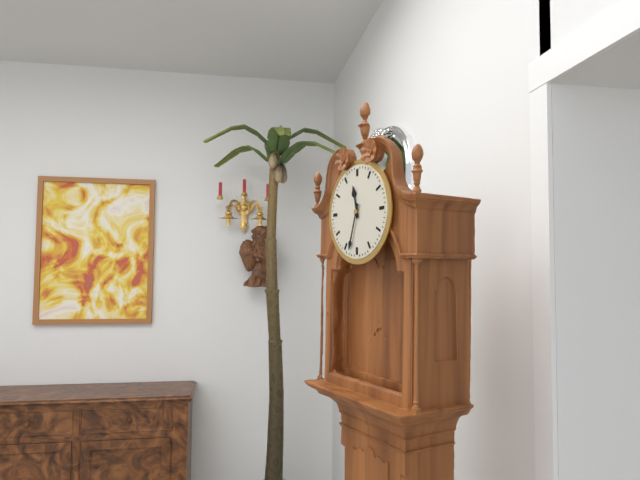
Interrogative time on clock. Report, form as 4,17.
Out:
11,33
